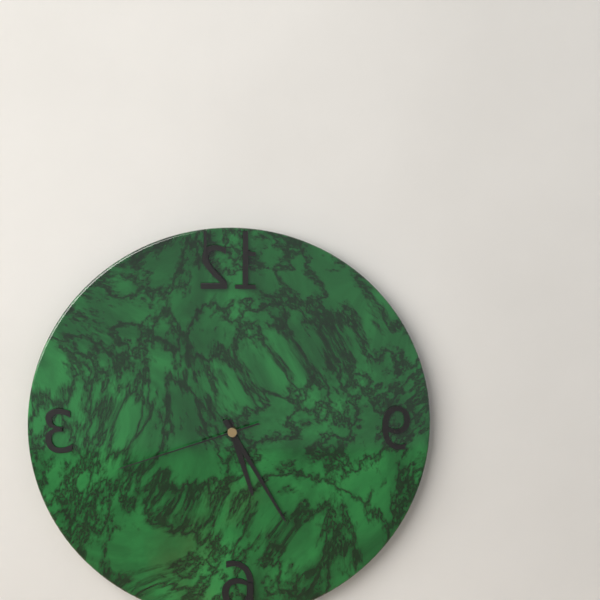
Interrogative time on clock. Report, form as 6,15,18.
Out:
5,25,42
